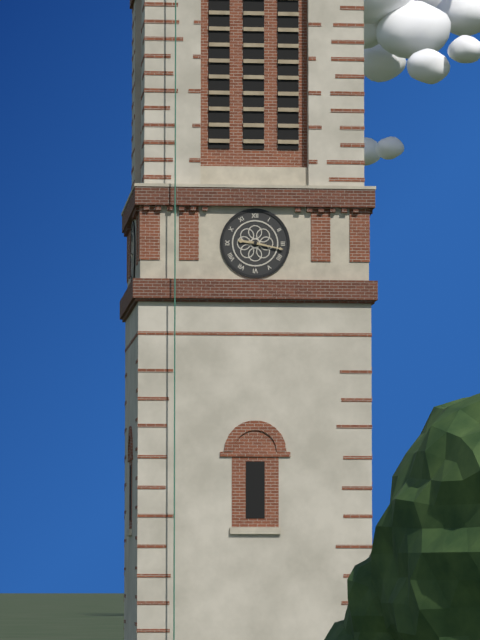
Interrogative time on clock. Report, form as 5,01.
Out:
9,17
